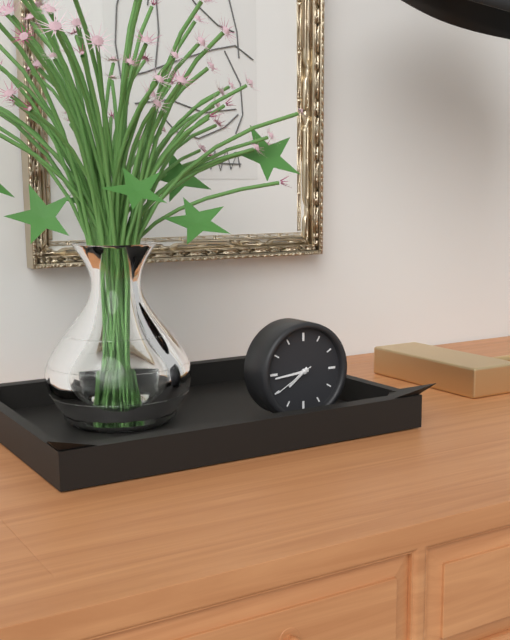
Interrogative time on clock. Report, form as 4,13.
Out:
7,44
